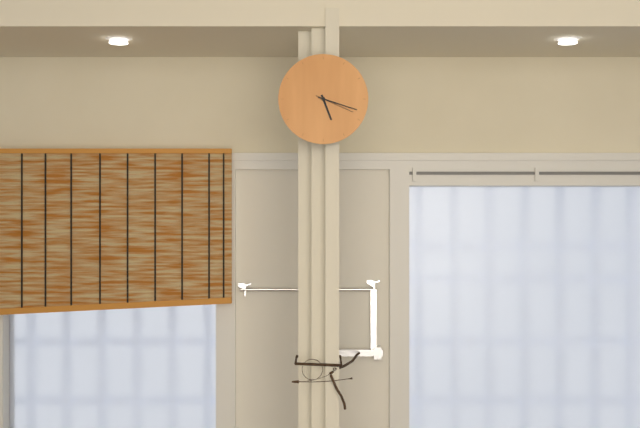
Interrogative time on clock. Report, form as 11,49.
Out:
5,18
